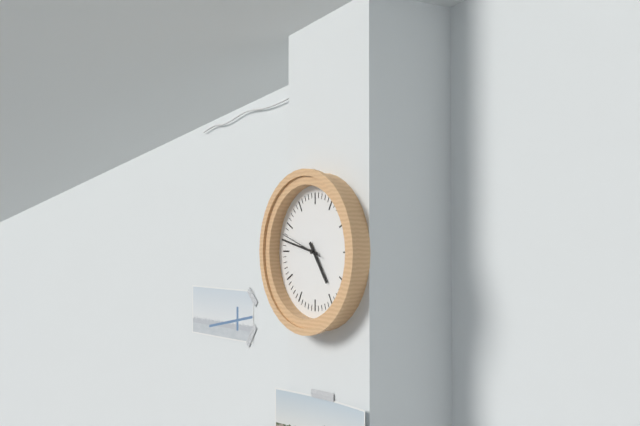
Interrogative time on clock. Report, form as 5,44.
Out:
4,47
